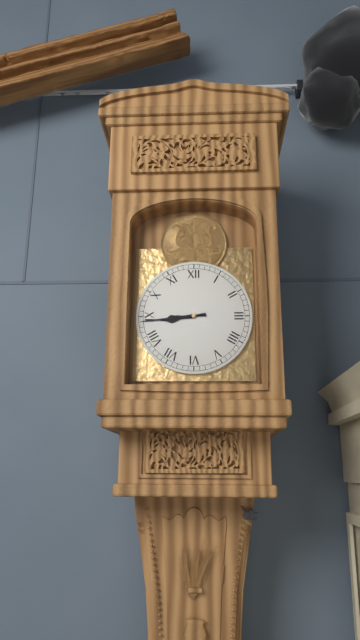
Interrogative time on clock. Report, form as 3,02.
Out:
8,44
